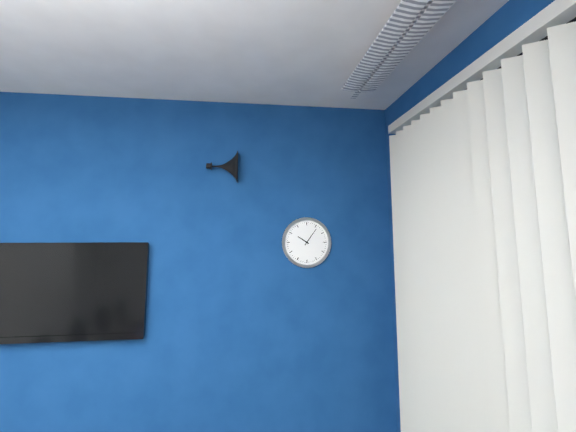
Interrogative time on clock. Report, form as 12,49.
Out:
10,06
